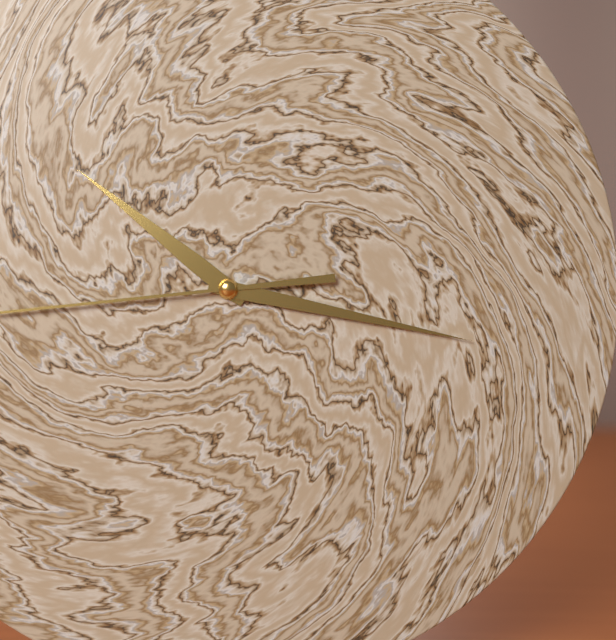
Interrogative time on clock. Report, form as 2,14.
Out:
10,17
